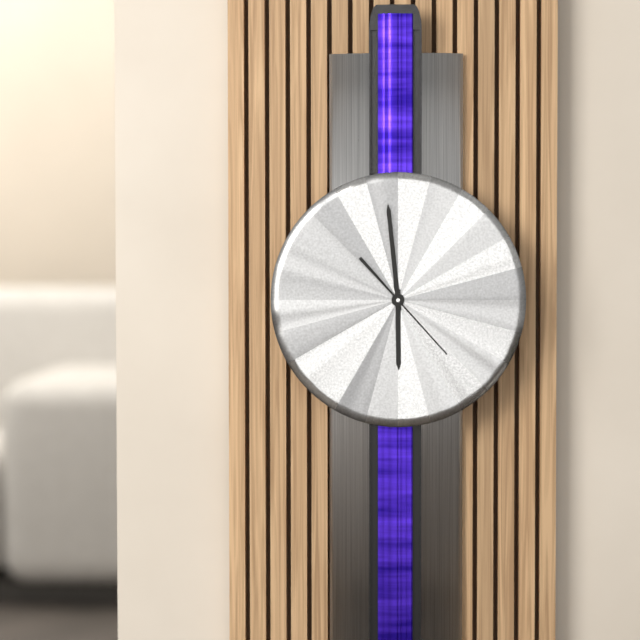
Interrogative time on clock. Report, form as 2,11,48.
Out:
5,59,23
